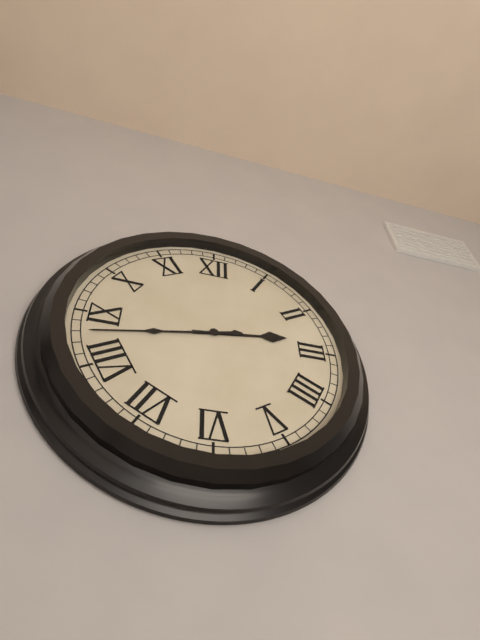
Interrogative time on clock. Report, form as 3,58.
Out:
2,43
